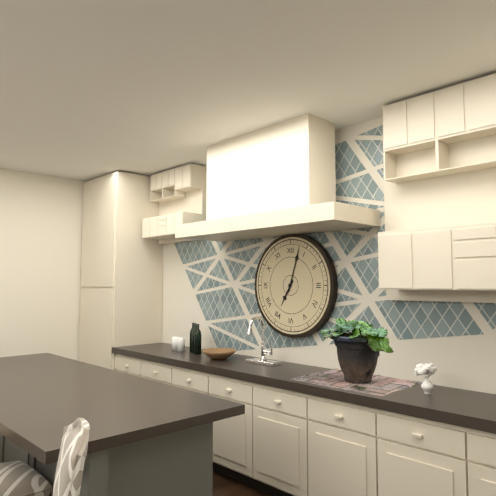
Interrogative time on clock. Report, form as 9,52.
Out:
7,03
